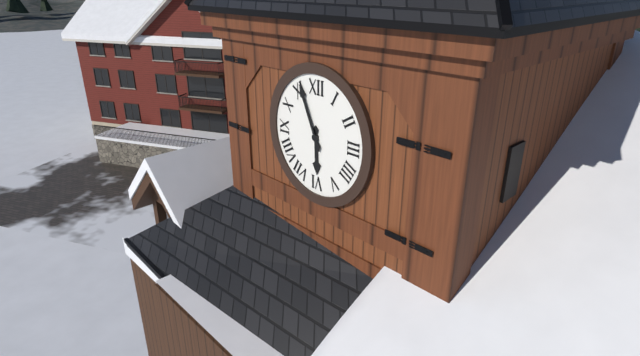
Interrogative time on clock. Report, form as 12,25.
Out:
5,56
